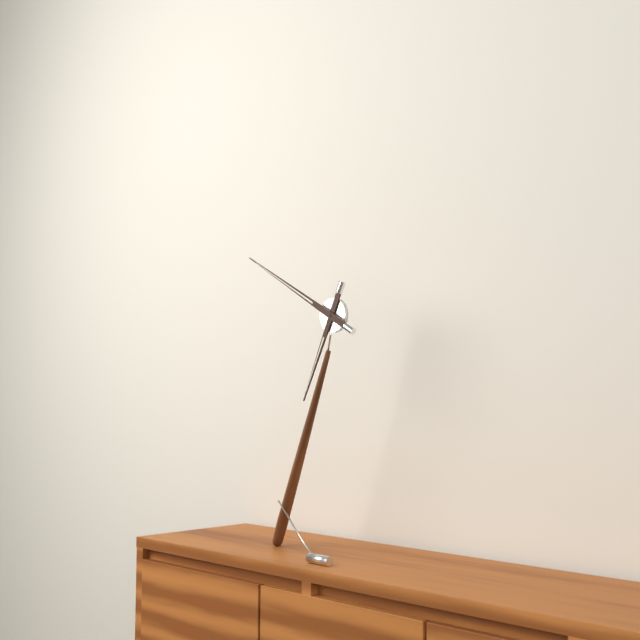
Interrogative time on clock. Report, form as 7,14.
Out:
6,50
